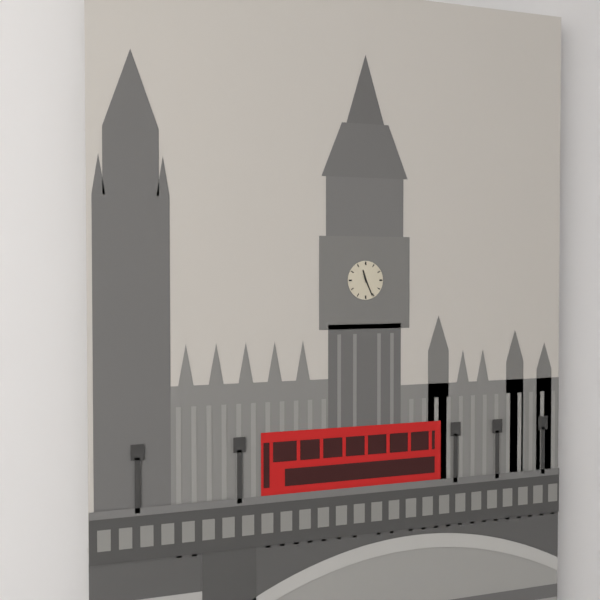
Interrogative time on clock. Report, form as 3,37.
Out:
11,26
